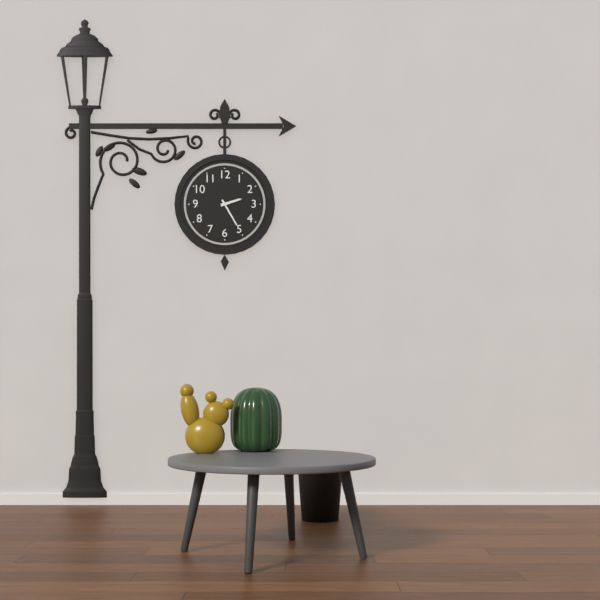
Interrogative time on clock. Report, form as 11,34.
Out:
2,25
